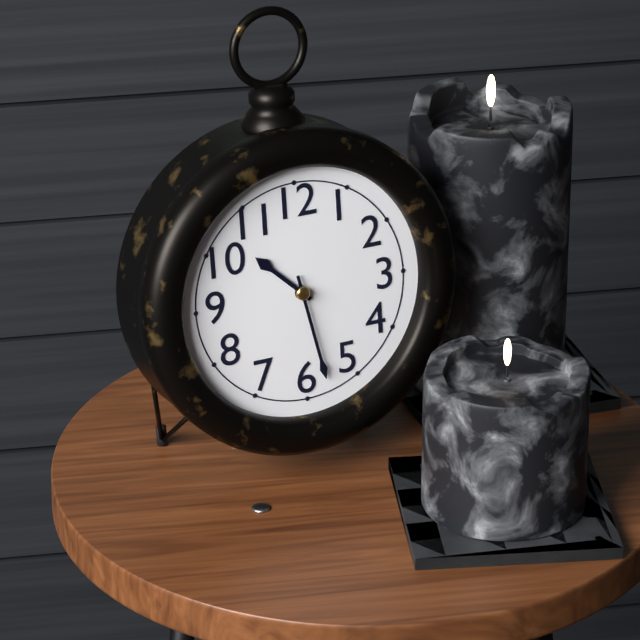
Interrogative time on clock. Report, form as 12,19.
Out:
10,28
